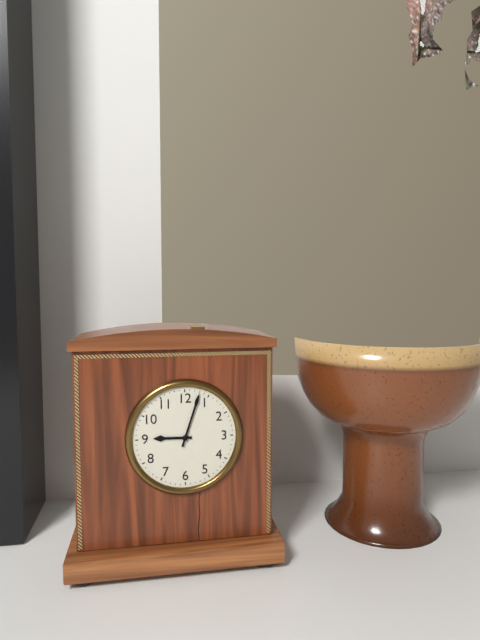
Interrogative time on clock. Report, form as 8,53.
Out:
9,03
